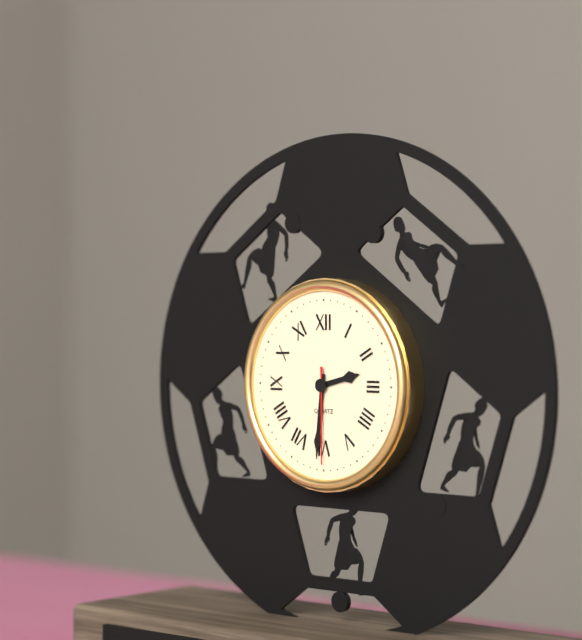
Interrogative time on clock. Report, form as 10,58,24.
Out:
2,31,30
